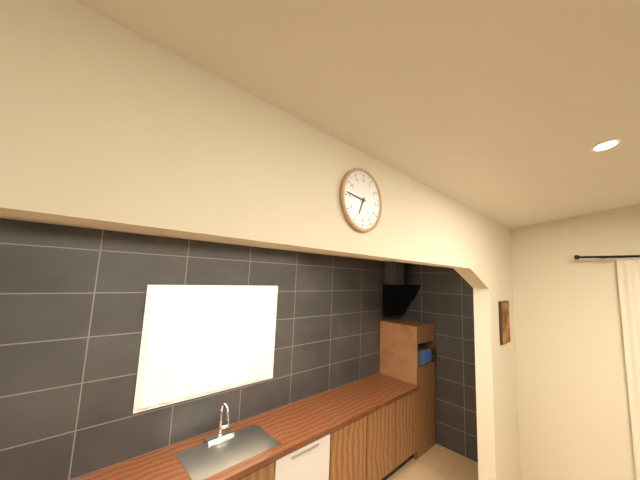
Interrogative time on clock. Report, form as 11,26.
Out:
6,46
